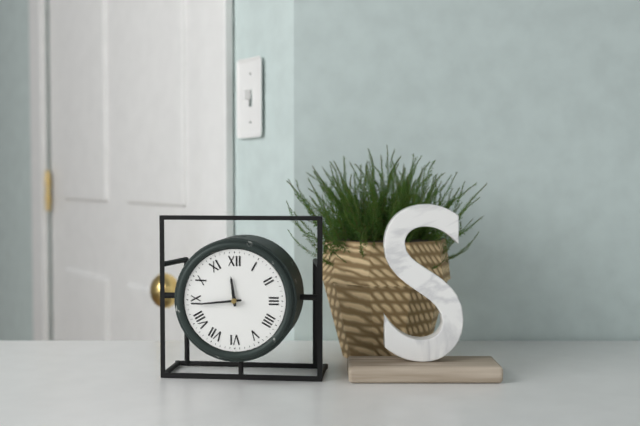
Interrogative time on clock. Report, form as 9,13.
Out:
11,44
